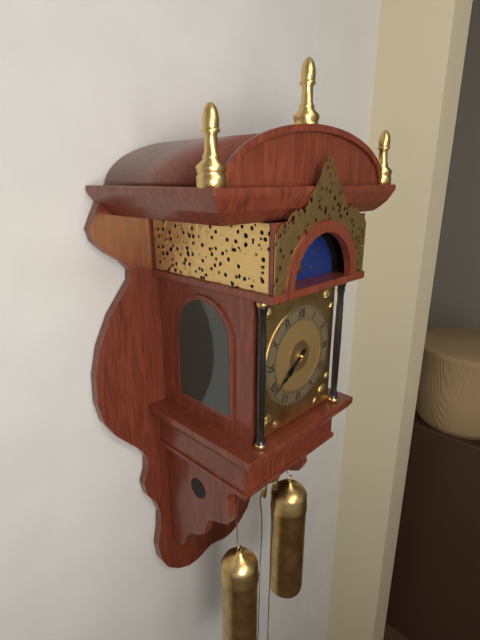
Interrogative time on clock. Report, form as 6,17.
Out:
7,39
